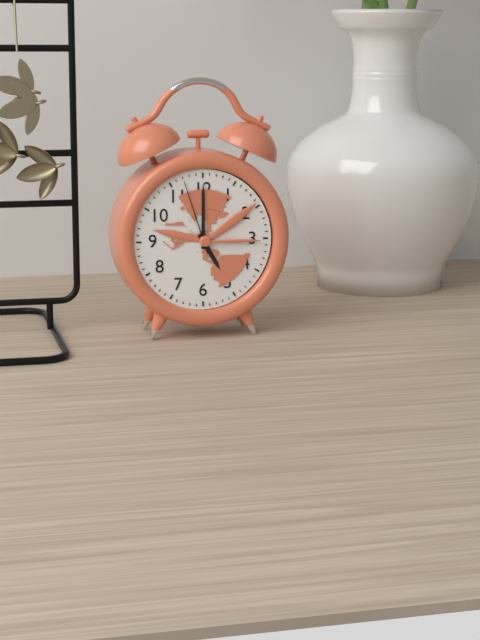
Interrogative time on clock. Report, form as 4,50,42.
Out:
5,00,57
